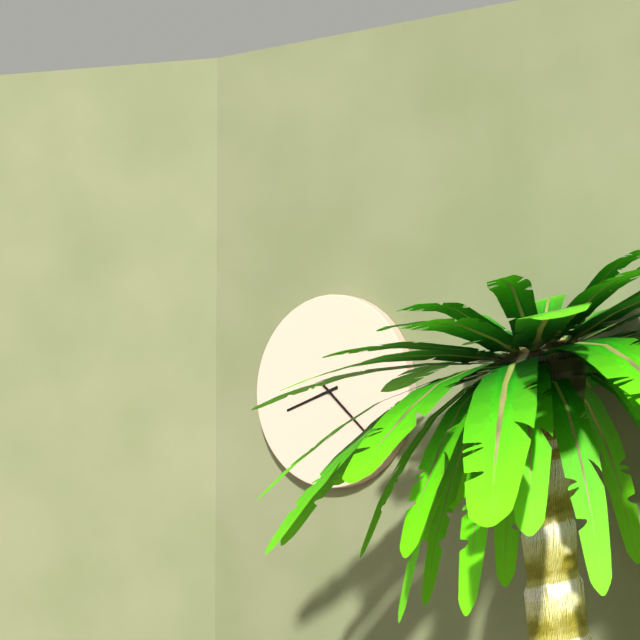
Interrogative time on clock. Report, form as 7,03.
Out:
8,22
